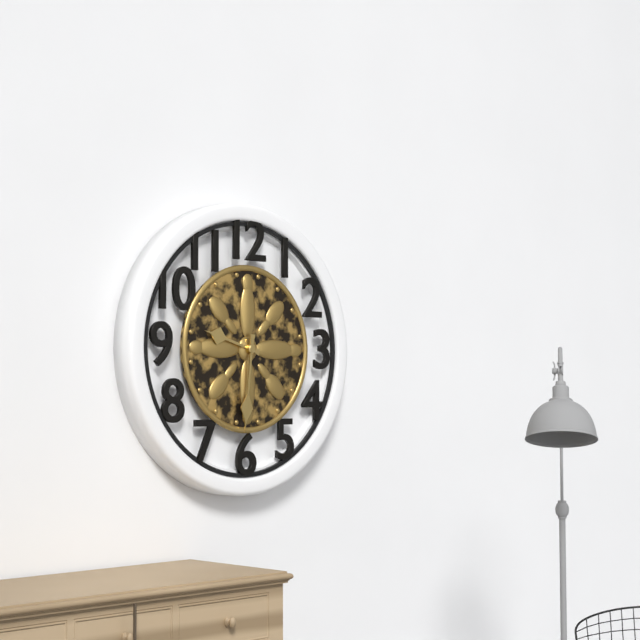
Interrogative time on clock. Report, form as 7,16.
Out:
9,31
